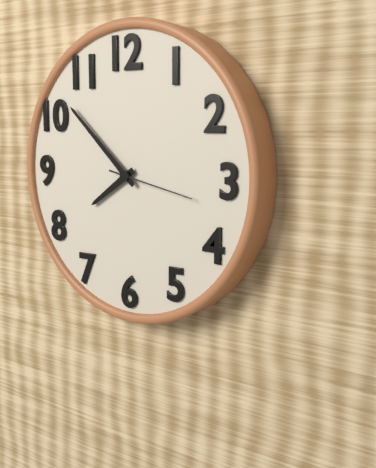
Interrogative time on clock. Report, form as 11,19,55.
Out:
7,52,17
